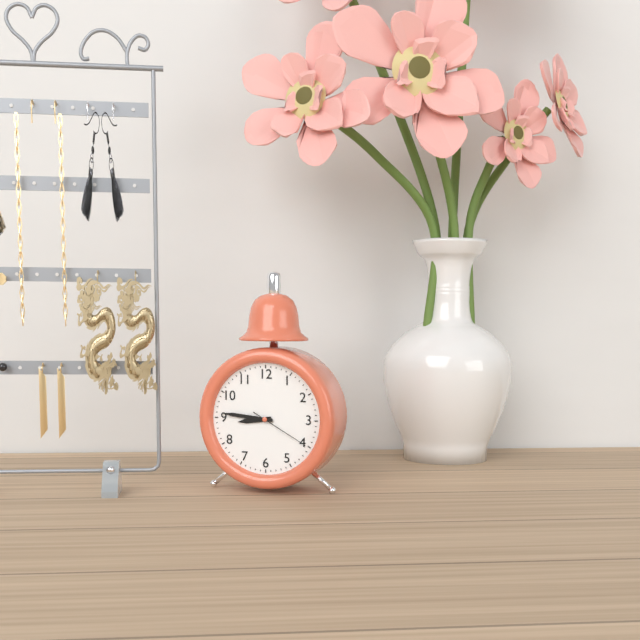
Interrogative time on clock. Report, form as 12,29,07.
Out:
8,46,20
